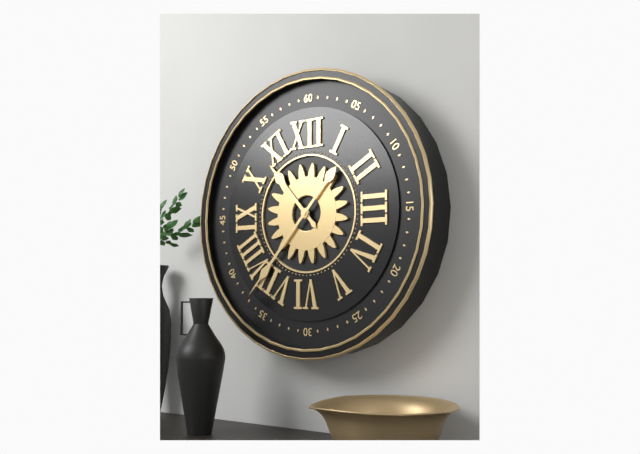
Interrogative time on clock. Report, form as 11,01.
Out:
10,37
